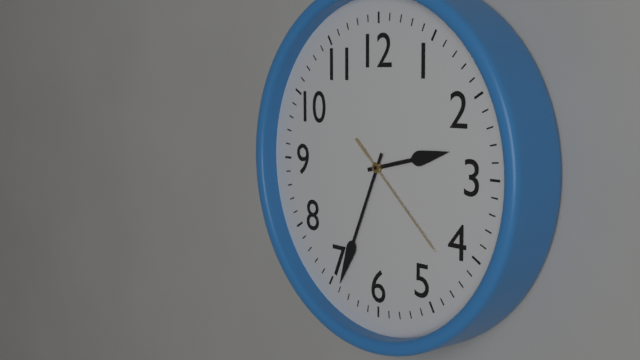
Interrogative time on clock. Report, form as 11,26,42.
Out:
2,34,22
